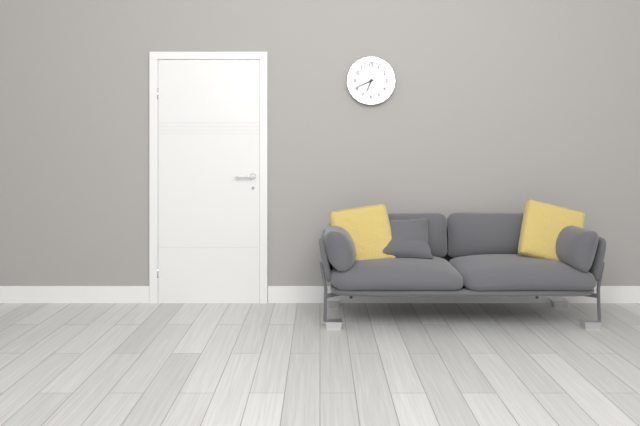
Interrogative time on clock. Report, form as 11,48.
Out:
6,41
